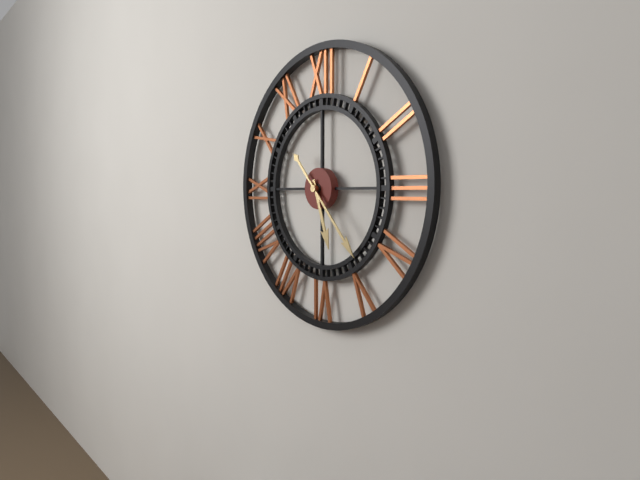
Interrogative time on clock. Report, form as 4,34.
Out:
5,23
